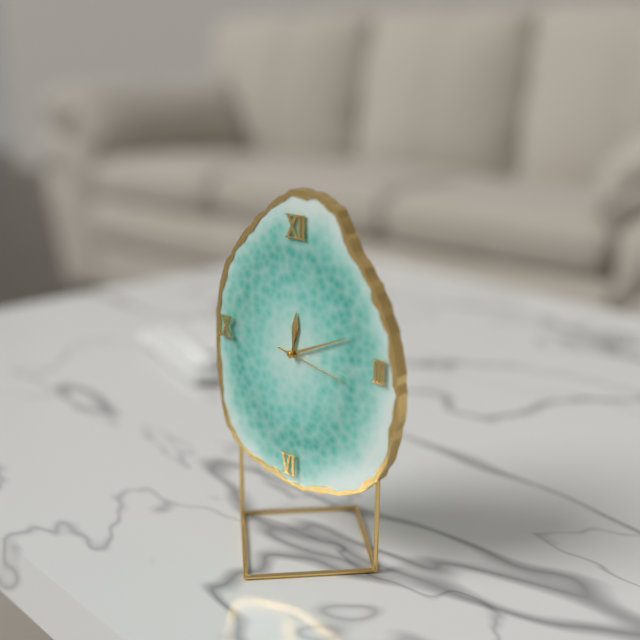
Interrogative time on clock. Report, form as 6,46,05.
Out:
12,11,17
